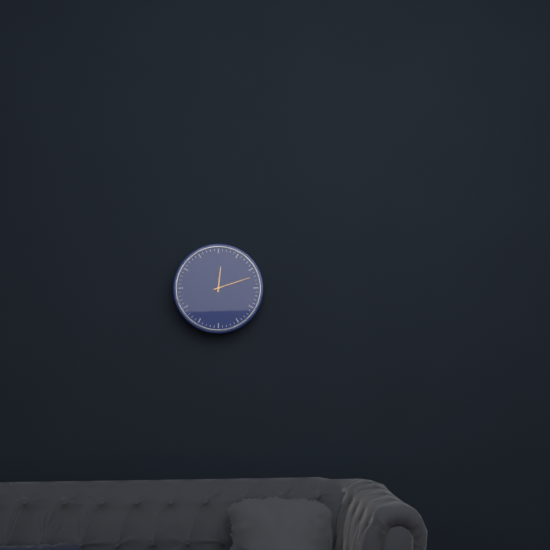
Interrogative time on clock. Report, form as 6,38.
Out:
12,12
